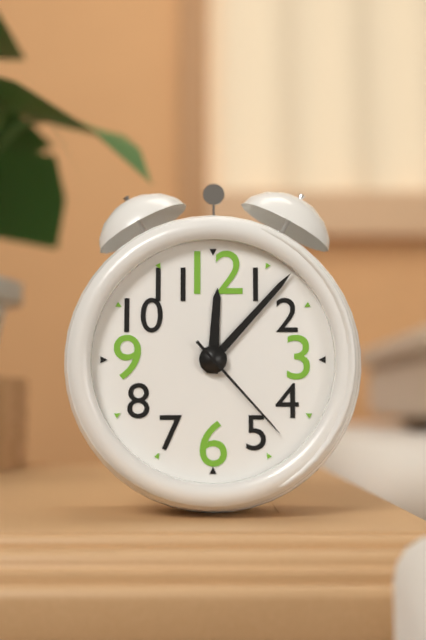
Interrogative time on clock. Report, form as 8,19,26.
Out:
12,07,23
